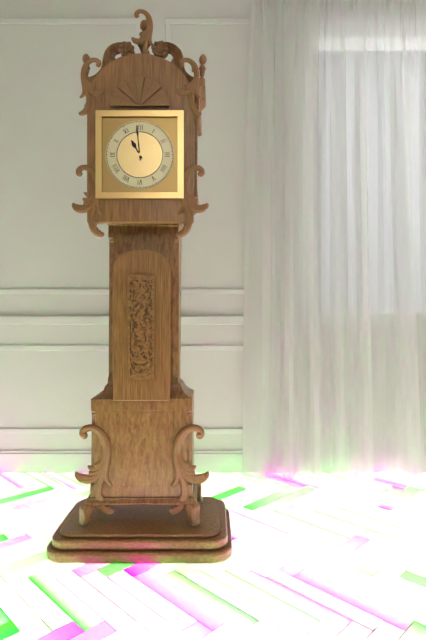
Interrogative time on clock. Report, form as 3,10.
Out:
10,59
